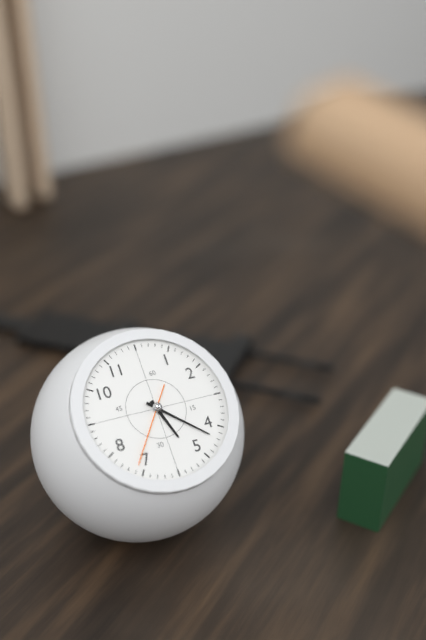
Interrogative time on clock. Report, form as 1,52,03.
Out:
5,22,36
